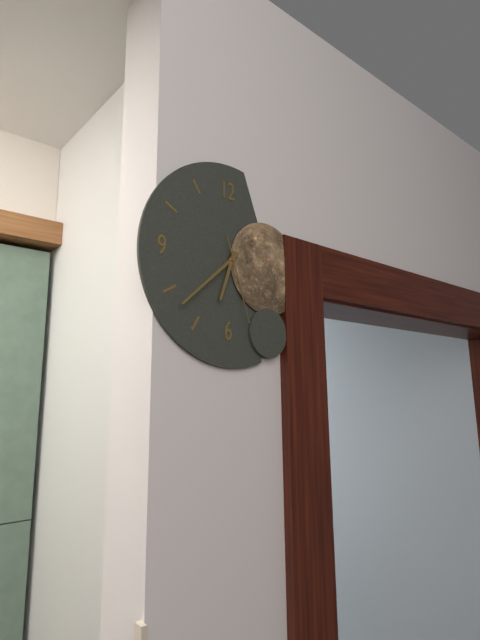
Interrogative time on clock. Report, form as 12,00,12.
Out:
6,38,27
